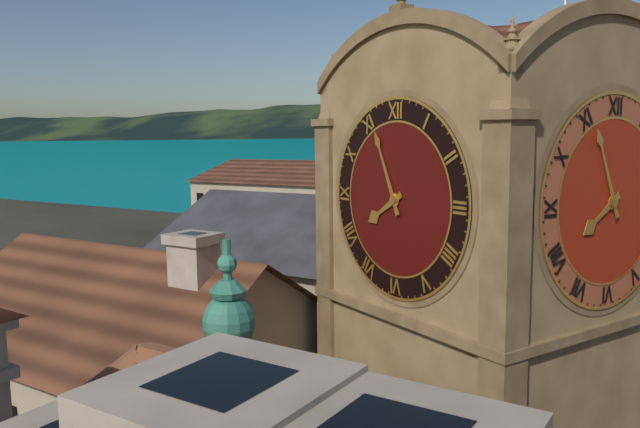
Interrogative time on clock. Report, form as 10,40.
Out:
7,56
